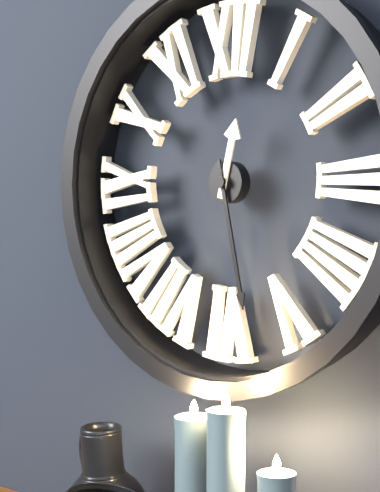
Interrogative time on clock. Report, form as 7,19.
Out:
12,28
